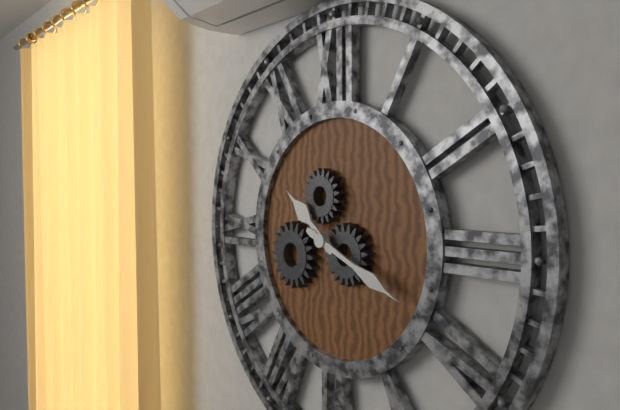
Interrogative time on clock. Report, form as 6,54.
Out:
10,19
